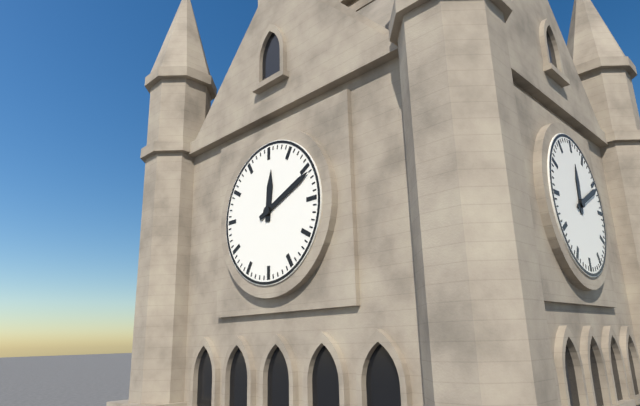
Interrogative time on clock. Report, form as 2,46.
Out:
12,11
